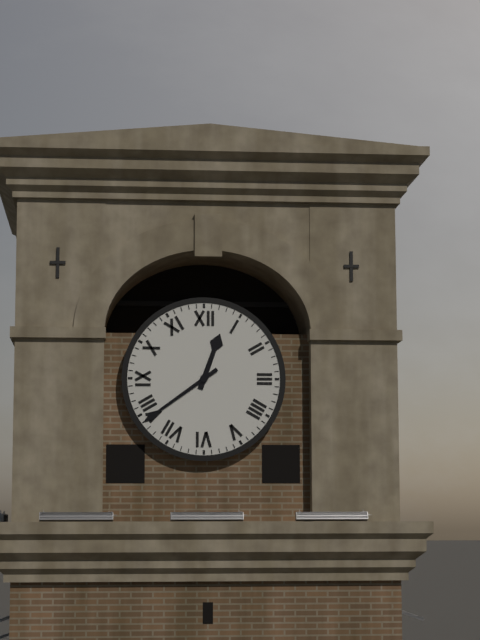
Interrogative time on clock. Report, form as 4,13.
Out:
12,39
